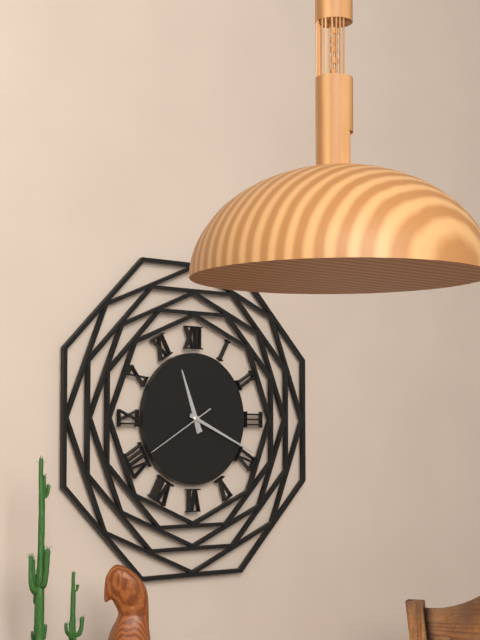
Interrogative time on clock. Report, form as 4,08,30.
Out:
11,19,40
